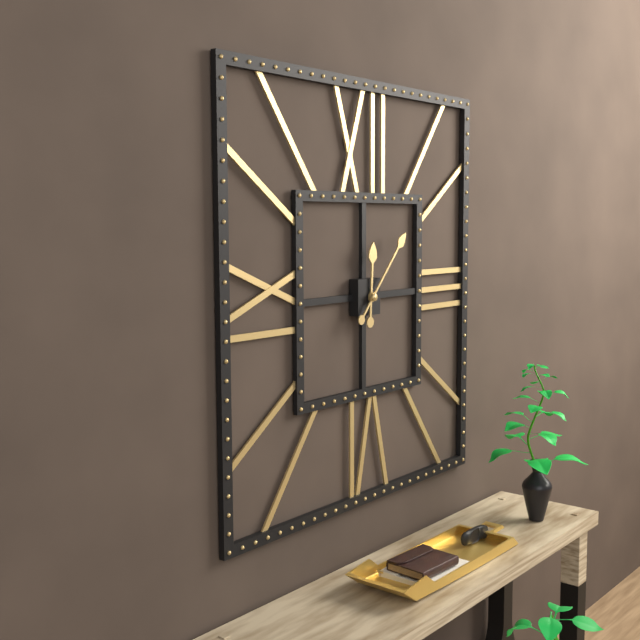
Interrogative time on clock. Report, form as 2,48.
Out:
12,07
